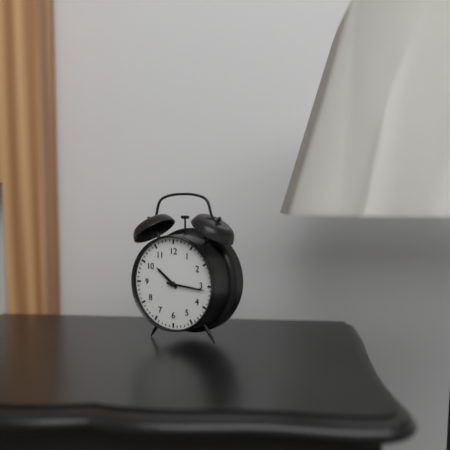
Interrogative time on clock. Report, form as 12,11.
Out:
10,16
